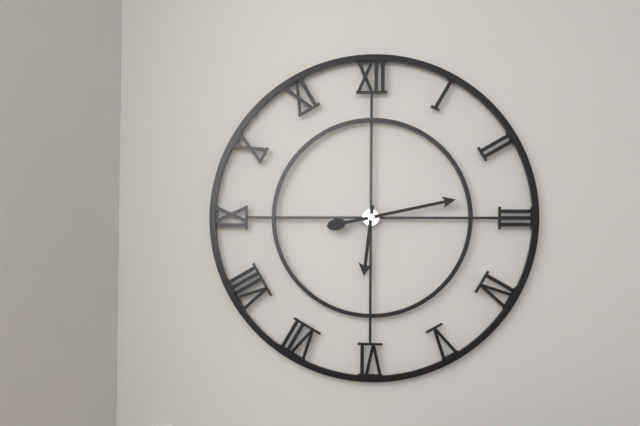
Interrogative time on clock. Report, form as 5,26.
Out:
6,13
